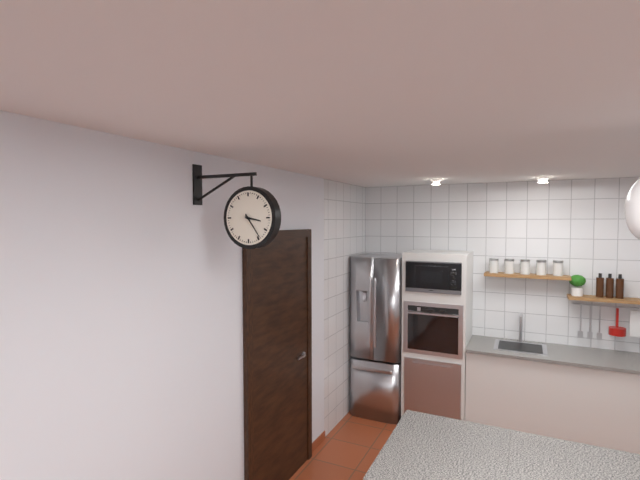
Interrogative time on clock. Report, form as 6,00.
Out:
3,24
